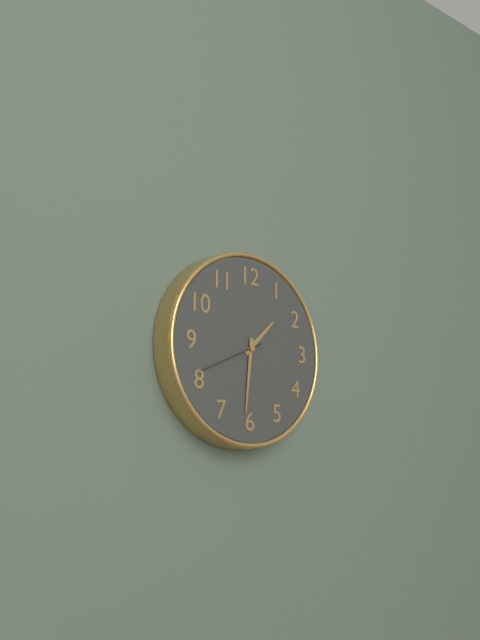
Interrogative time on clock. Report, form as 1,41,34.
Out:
1,31,41
